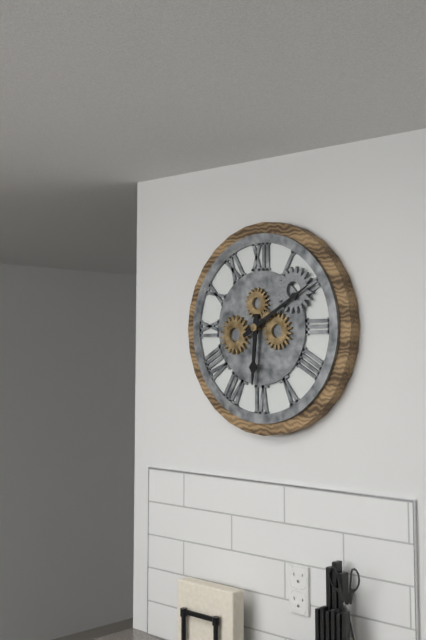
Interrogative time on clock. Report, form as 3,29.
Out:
6,10
